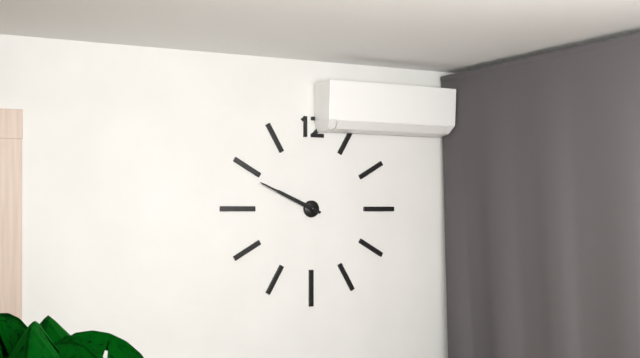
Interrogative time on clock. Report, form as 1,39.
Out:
9,49
